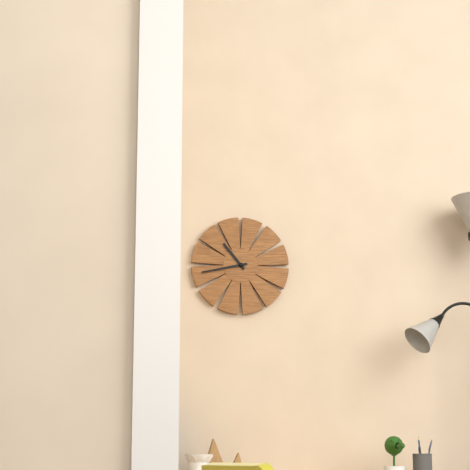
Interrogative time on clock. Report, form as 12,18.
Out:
10,43
